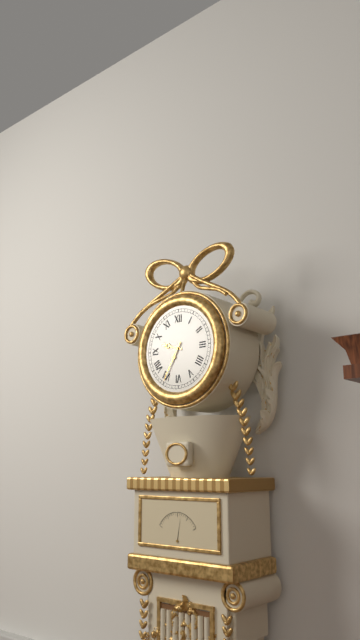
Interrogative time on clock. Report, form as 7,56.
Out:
9,35
